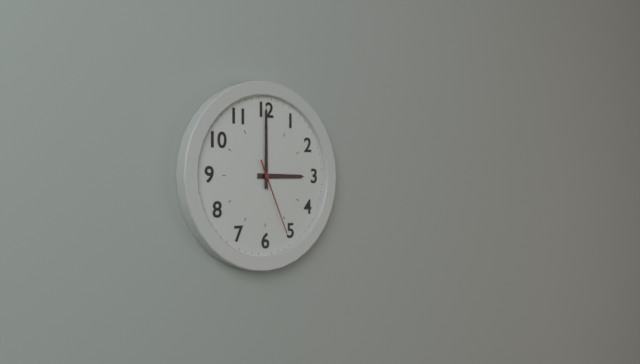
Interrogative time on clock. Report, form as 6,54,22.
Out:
3,00,26
